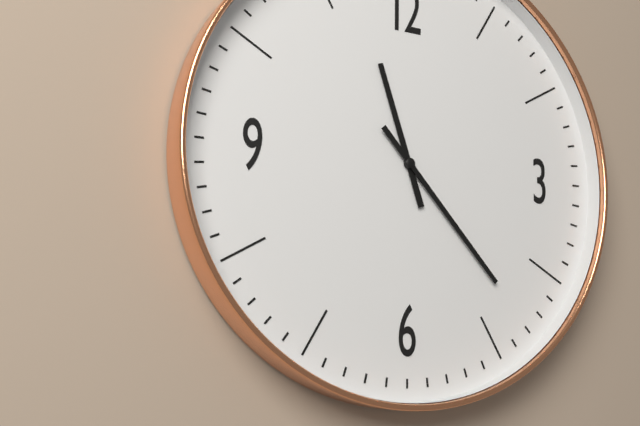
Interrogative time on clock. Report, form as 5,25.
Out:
11,23
